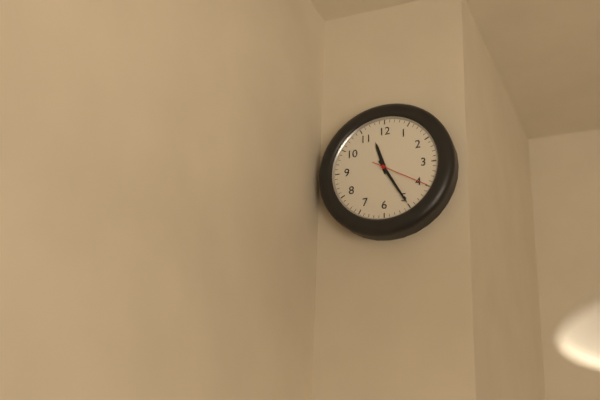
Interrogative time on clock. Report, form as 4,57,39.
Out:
11,25,20
